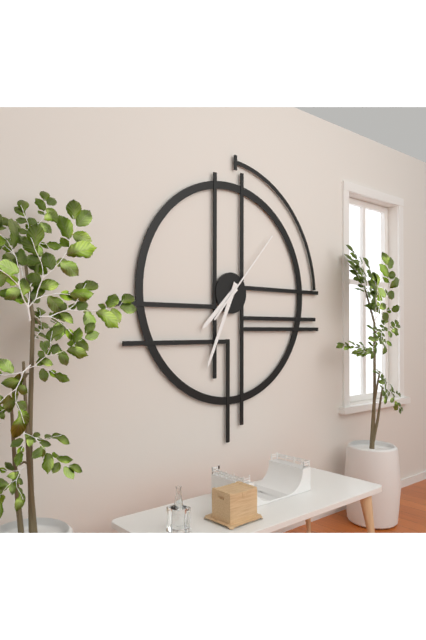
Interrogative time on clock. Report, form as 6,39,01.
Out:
7,34,07
